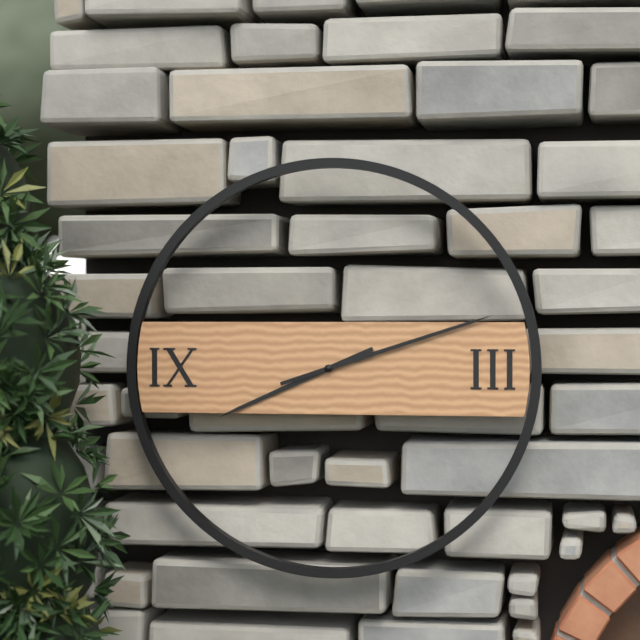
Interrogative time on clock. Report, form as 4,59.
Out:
8,12
